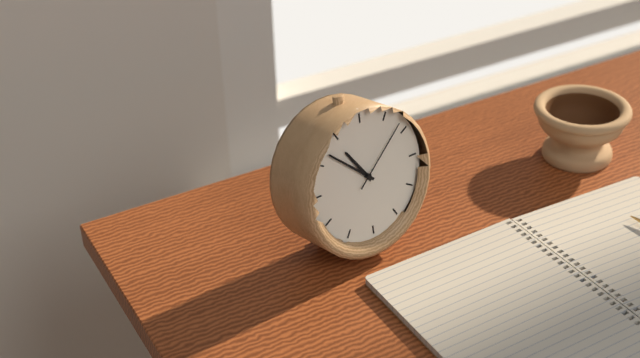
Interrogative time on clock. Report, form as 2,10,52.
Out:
10,52,08
